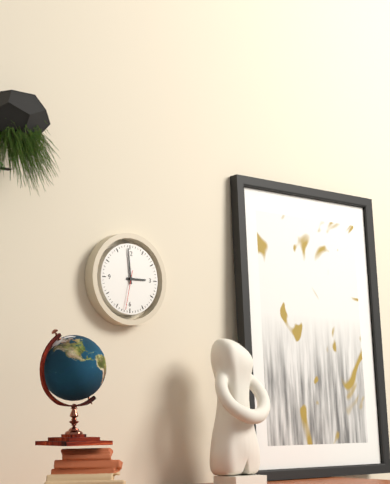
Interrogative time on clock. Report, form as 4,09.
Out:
2,59
